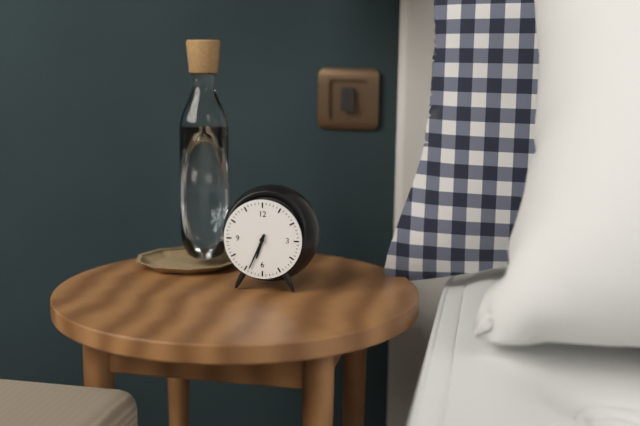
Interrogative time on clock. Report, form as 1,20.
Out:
6,34
